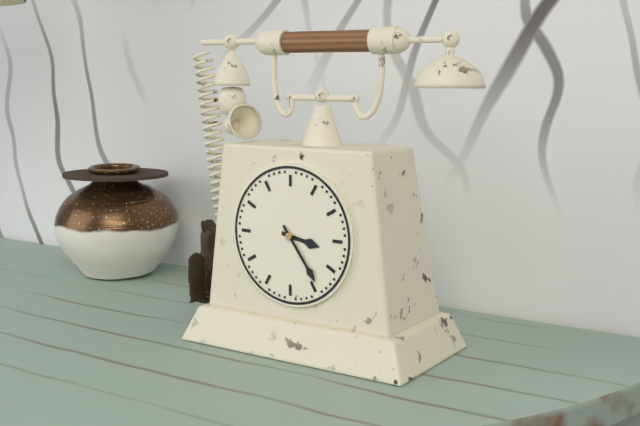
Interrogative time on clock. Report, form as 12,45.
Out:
3,24
